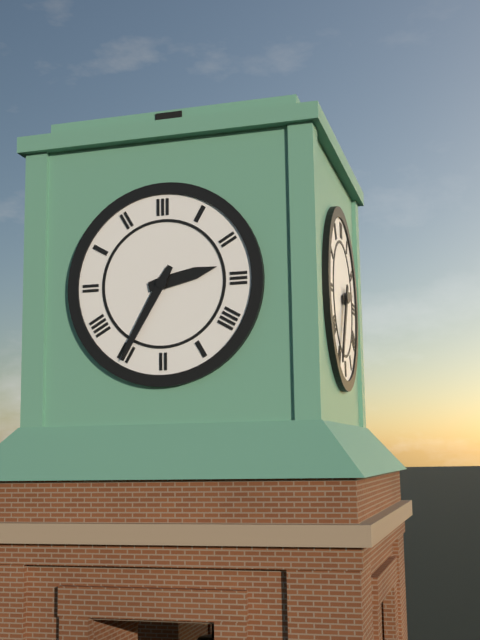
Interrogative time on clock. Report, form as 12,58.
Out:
2,35
